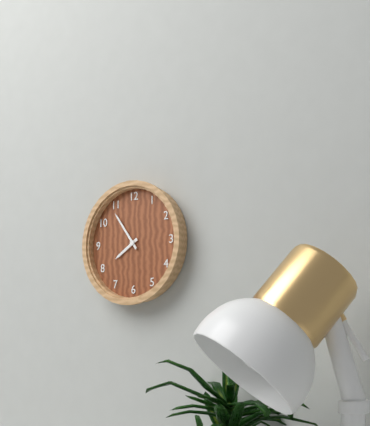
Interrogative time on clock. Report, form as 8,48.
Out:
7,54
